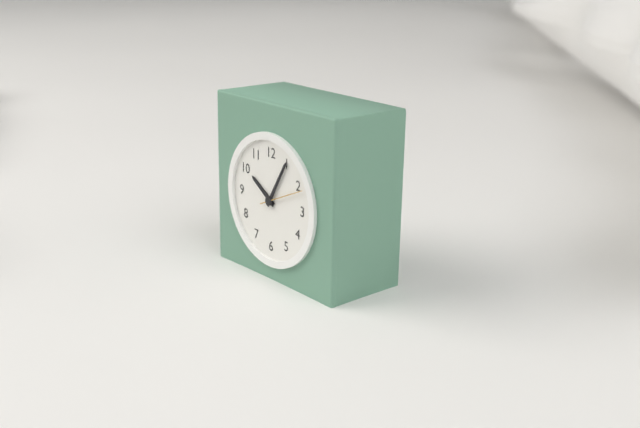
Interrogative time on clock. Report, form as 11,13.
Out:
10,05
